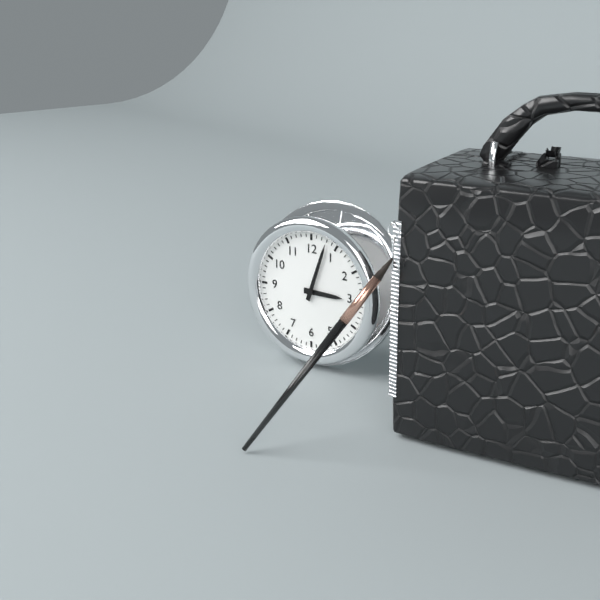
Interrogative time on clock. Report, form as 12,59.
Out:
3,03
